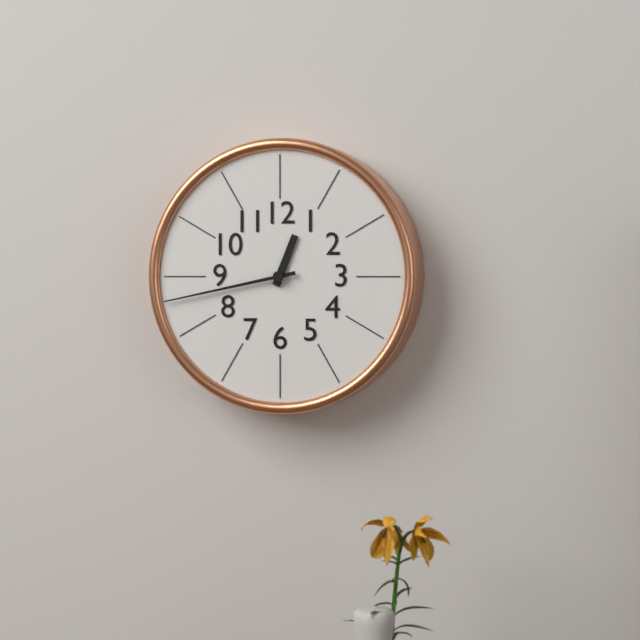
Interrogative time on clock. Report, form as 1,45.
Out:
12,43
